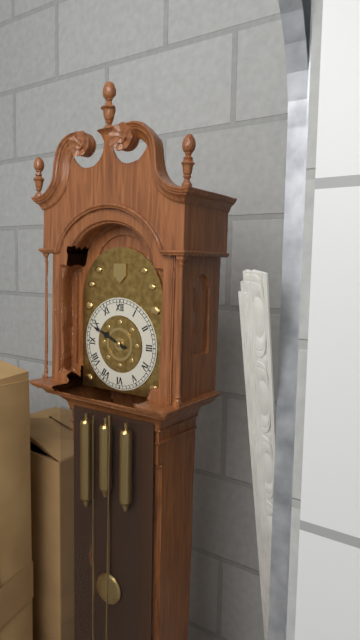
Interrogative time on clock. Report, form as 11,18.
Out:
9,49
